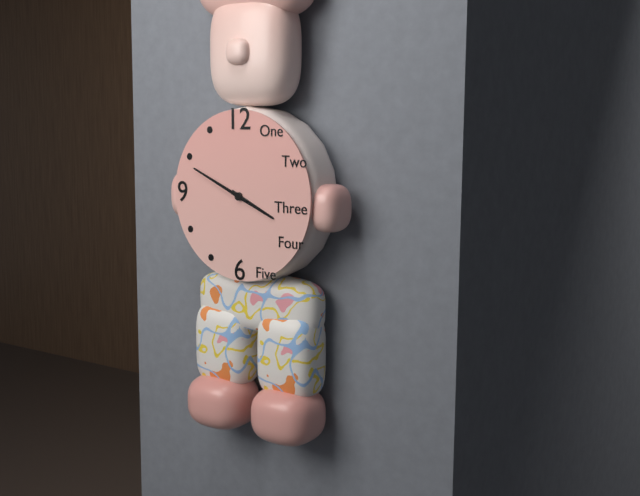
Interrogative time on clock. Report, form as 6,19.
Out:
3,49
